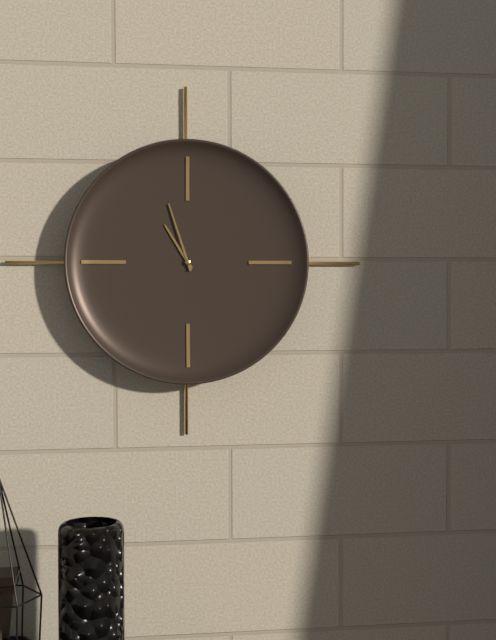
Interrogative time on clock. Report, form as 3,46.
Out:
10,57
